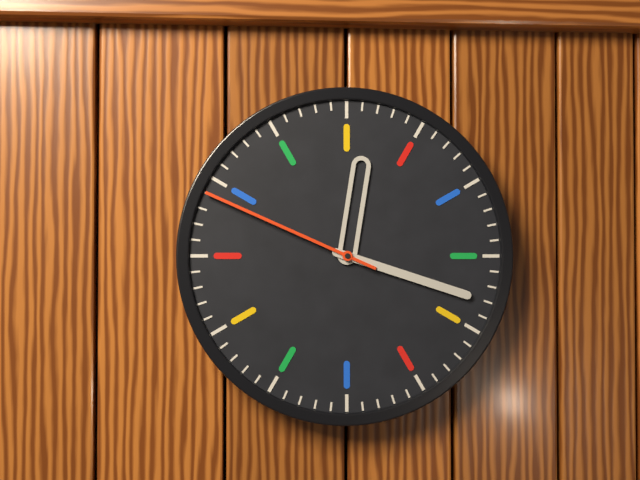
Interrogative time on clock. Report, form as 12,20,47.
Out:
12,18,49
